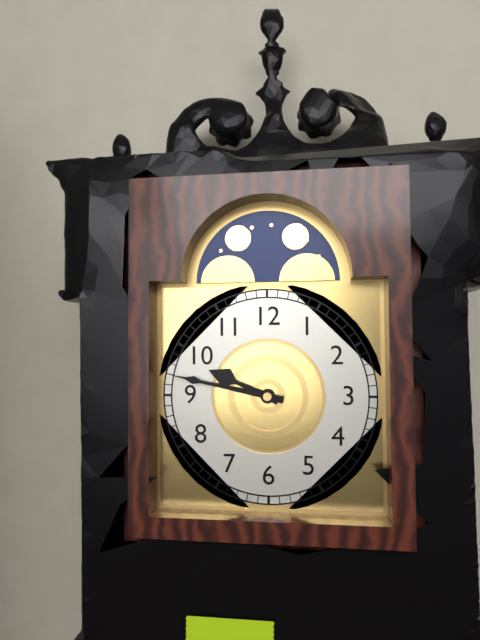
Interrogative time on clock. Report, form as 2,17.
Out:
9,47
